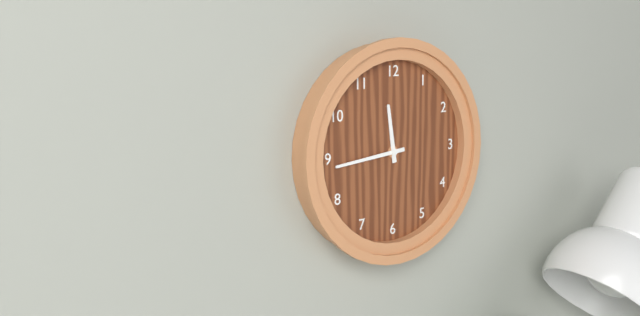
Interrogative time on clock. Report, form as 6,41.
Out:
11,44
